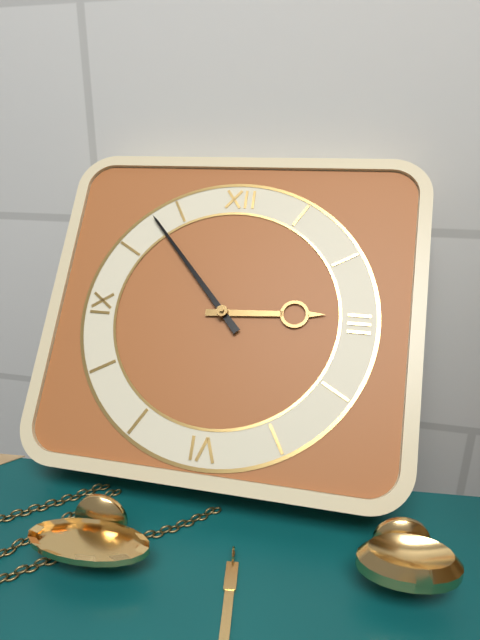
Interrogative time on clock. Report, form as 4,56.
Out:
2,53
